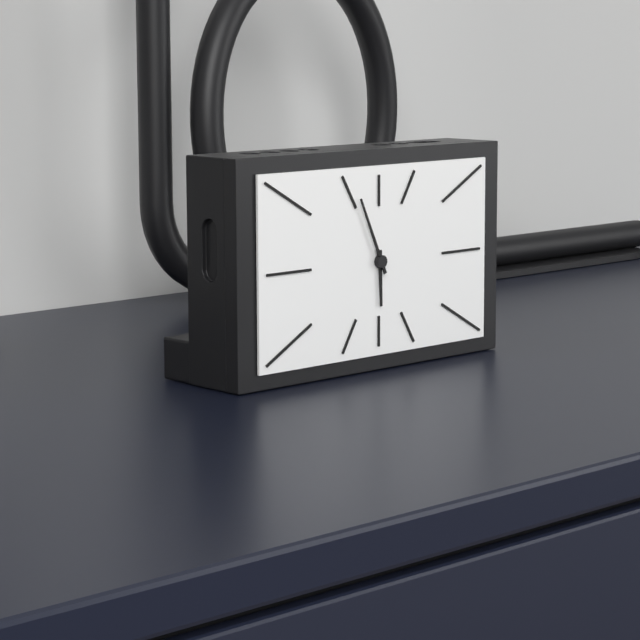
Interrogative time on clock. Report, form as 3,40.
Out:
5,56
